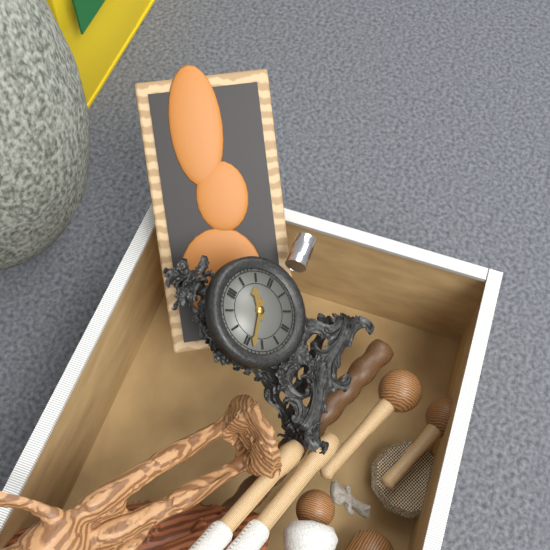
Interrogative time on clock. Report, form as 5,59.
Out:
1,43
